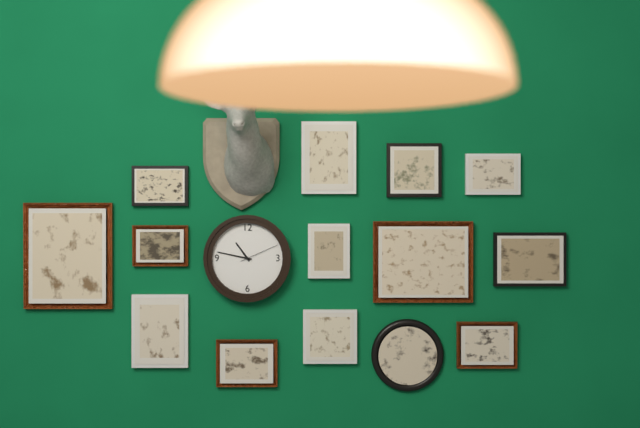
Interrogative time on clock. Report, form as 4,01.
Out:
10,47
